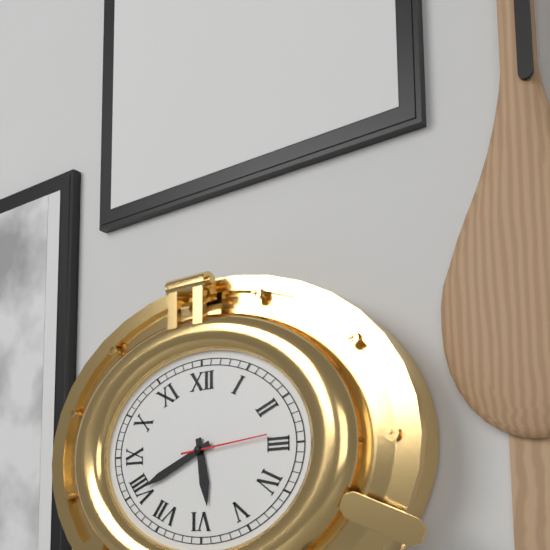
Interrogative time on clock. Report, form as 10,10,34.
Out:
5,41,14
